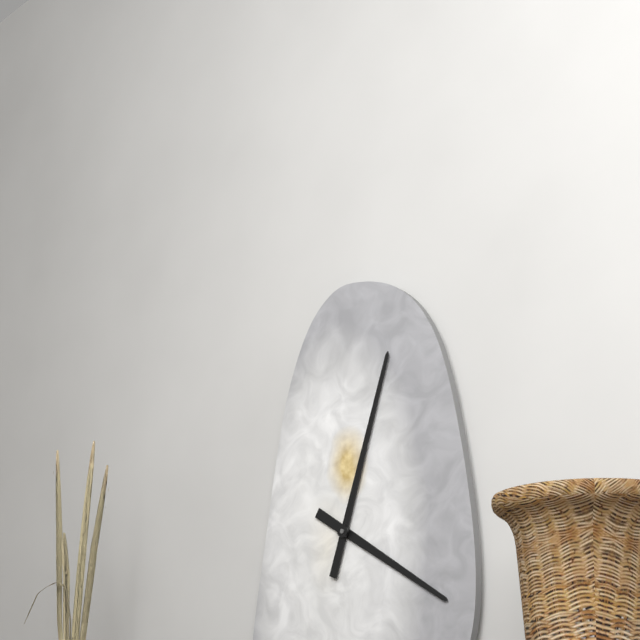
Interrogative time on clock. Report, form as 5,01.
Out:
4,03
